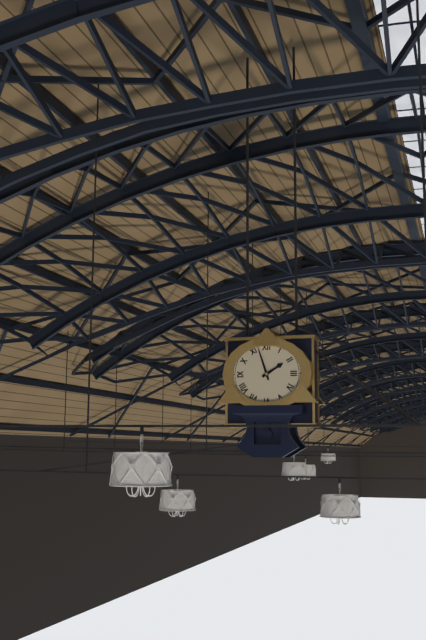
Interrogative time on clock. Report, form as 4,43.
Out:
1,57
